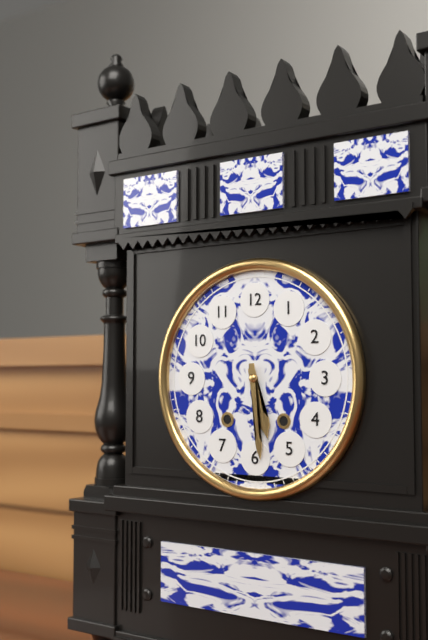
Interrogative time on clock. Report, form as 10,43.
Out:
5,29
